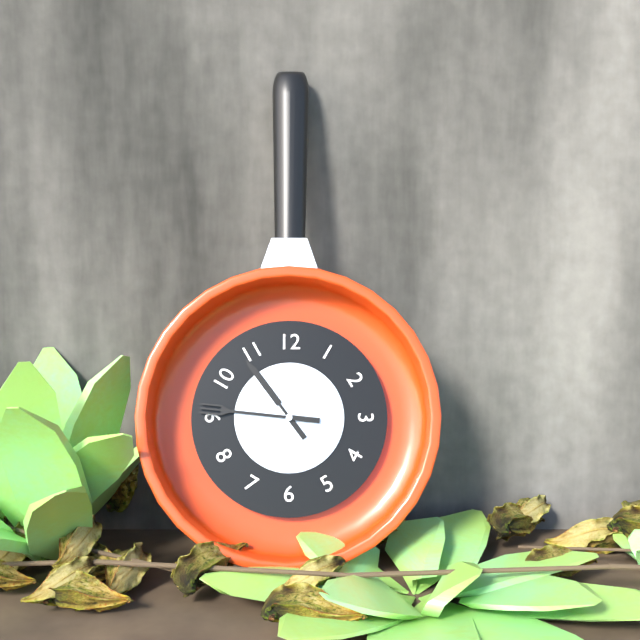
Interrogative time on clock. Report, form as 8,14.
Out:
10,46
